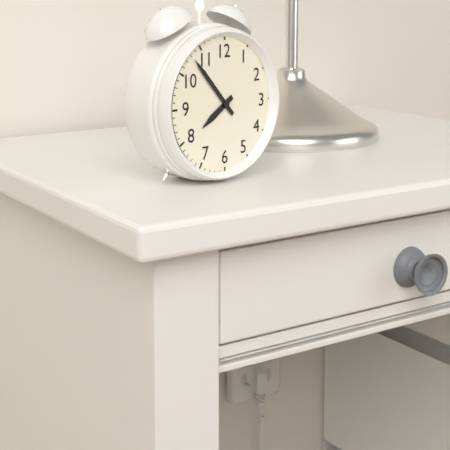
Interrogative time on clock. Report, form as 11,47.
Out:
7,53
